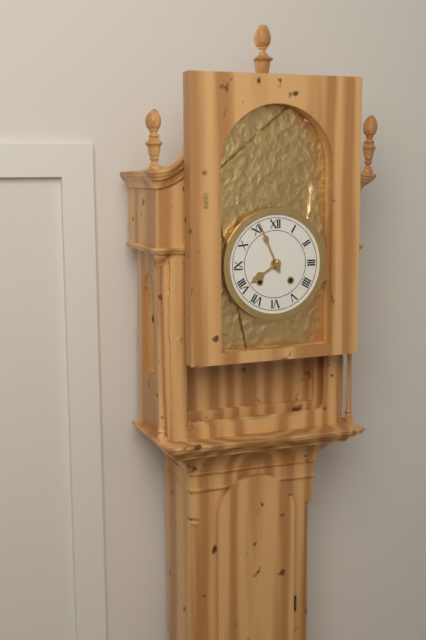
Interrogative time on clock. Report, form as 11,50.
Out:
7,56
